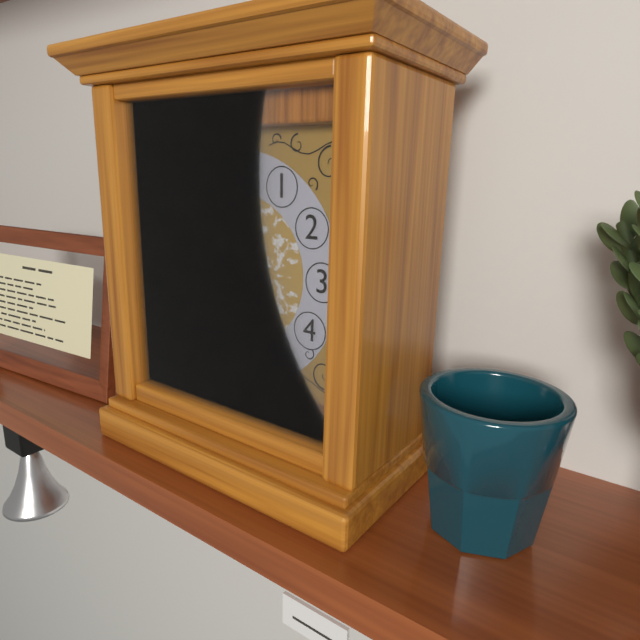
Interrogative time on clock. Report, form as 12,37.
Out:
7,40
